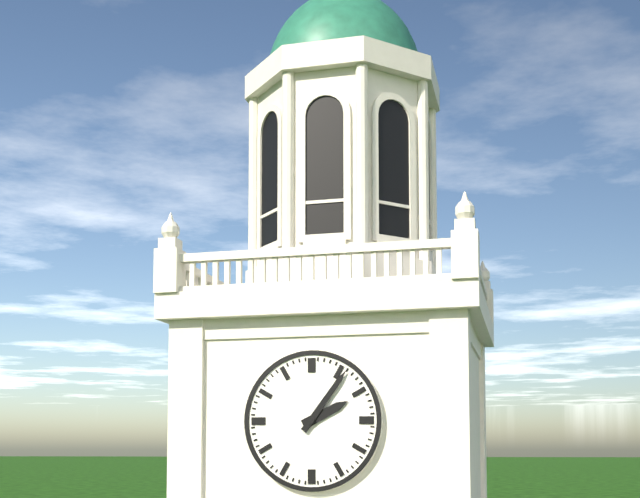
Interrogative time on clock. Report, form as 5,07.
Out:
2,06
